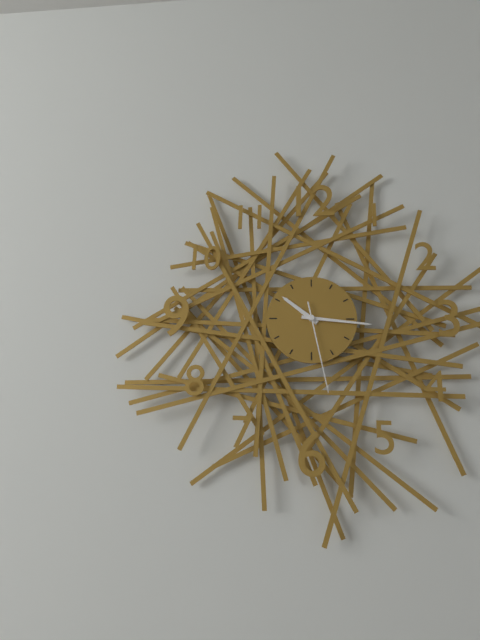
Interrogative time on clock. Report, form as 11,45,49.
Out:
10,16,28
